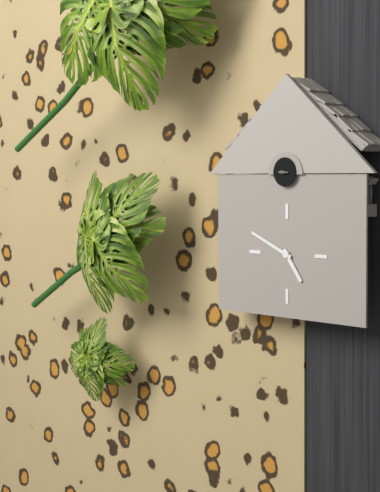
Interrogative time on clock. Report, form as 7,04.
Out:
4,49
